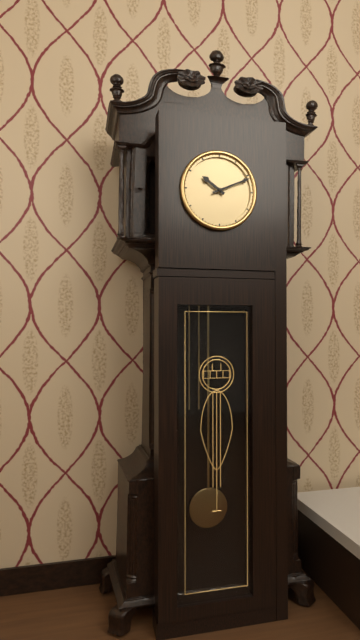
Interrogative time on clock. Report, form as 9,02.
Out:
10,11
